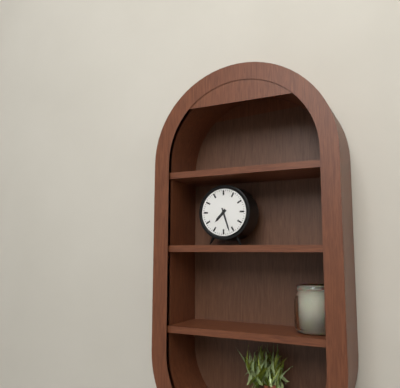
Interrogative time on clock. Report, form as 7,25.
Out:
7,27
